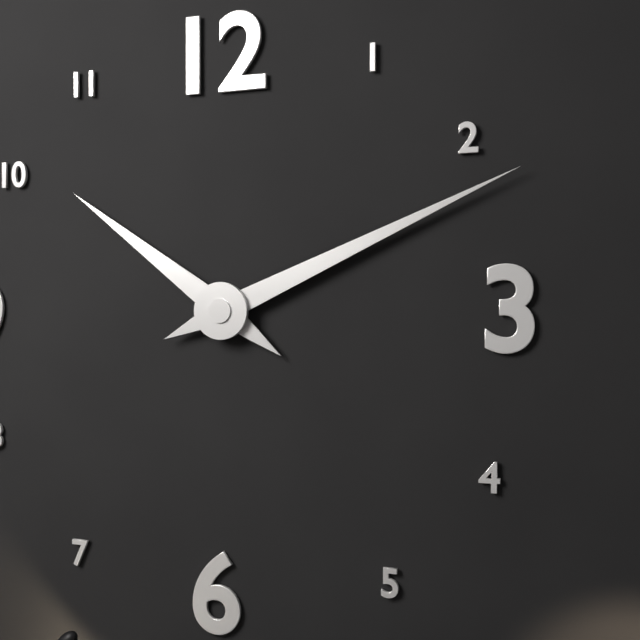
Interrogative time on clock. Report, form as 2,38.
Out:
10,11
